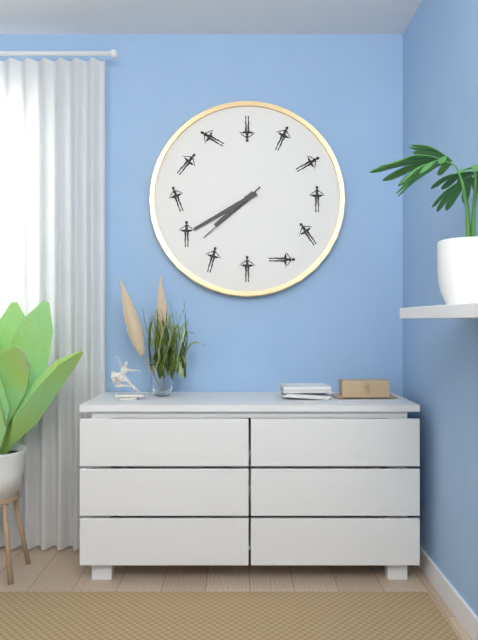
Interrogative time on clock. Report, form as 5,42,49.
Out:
7,40,38
